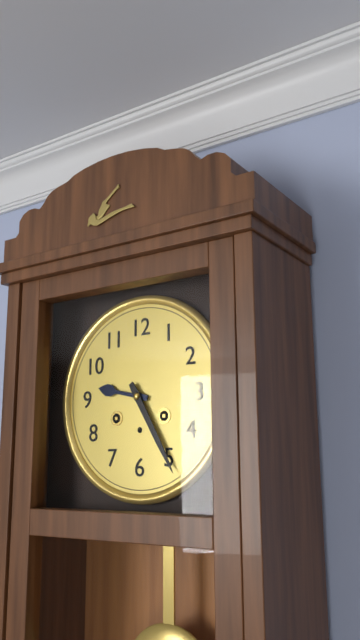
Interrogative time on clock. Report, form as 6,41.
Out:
9,25
